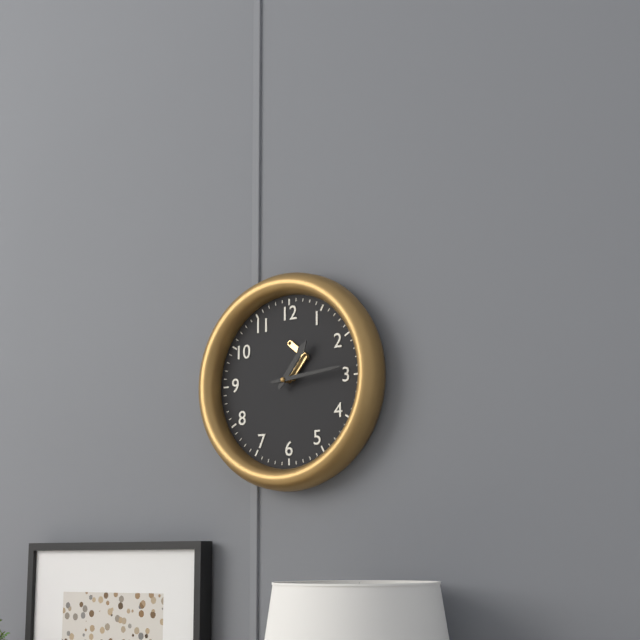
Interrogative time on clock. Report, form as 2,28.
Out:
1,14
